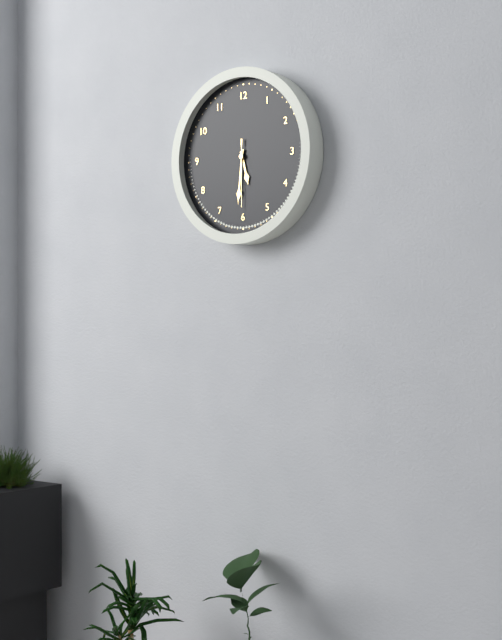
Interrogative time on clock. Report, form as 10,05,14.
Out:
5,31,30
